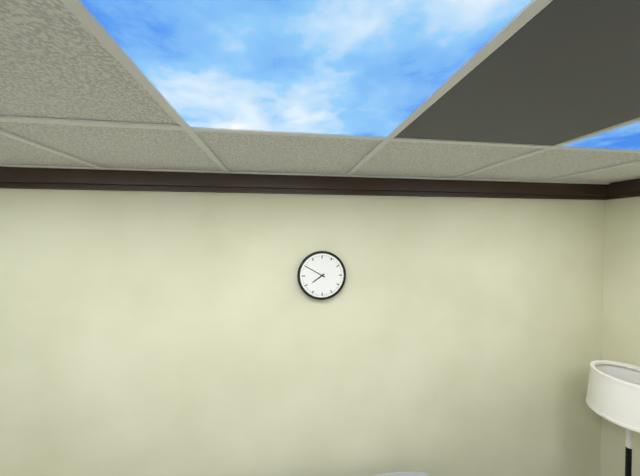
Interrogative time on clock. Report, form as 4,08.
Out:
7,50
